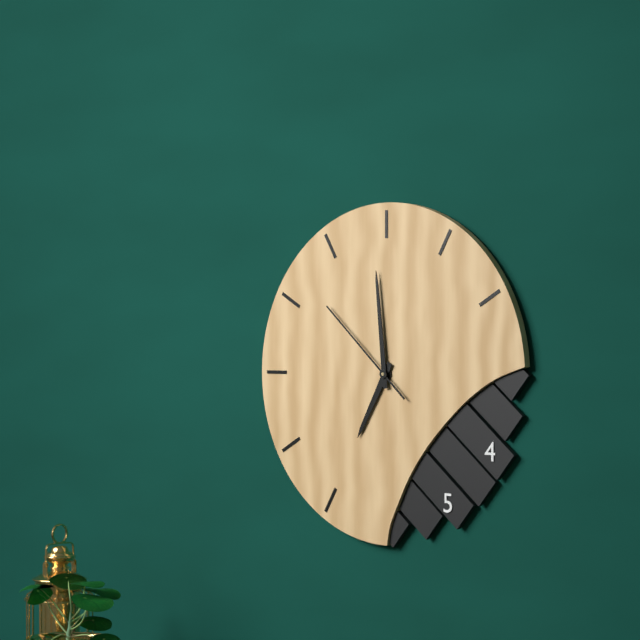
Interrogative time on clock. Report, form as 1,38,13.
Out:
6,59,52
